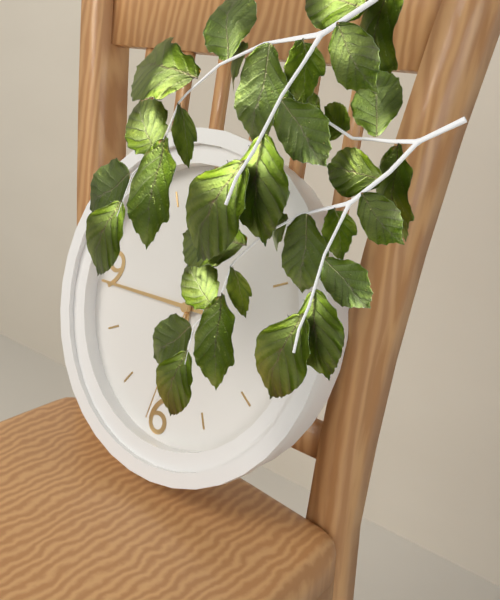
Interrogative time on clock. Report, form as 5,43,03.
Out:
5,44,31
